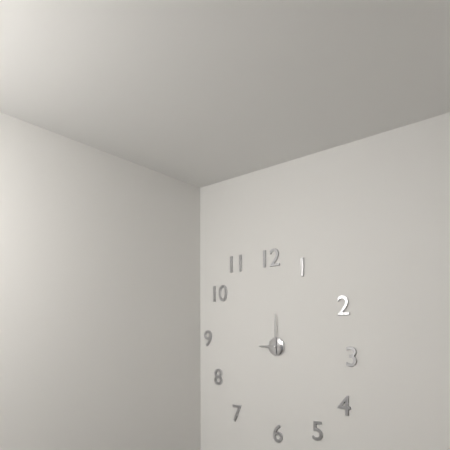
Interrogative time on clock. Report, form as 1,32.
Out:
9,00
